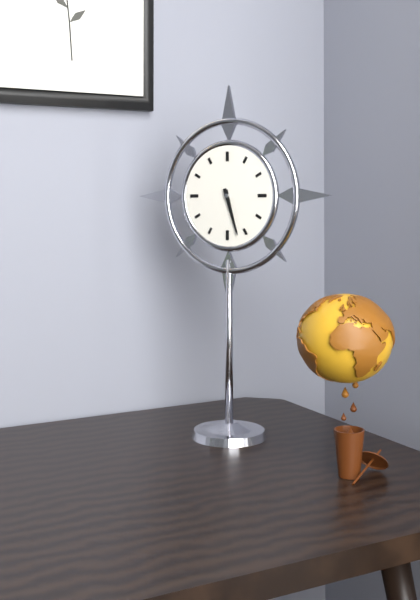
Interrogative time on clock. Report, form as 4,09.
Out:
5,27
